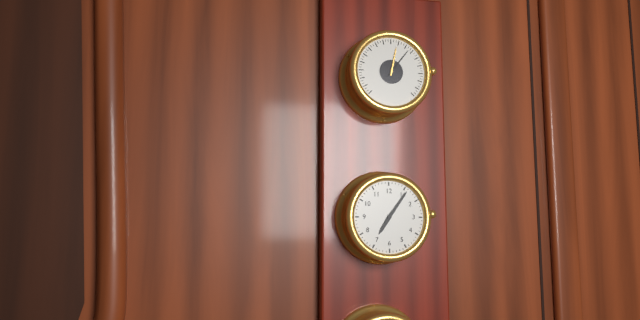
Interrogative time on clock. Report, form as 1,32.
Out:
7,06
